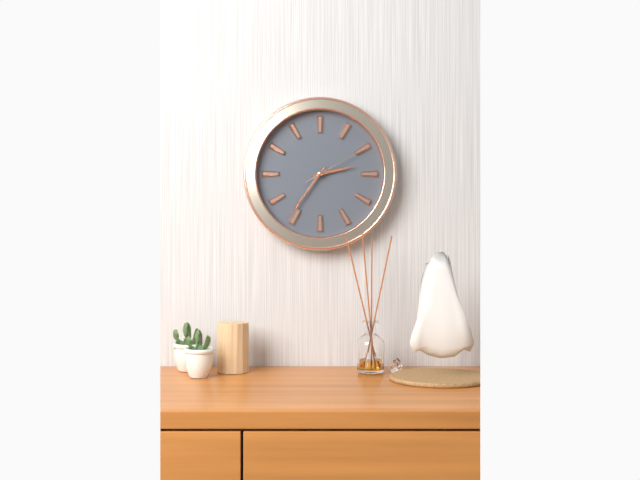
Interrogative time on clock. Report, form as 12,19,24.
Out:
2,36,10
